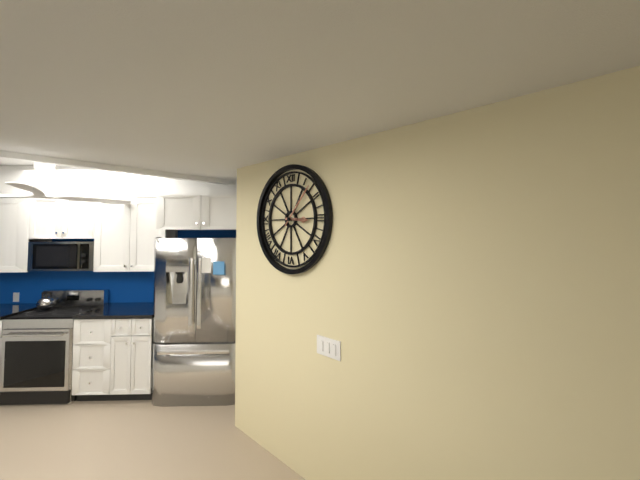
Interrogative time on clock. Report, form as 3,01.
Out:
3,07
